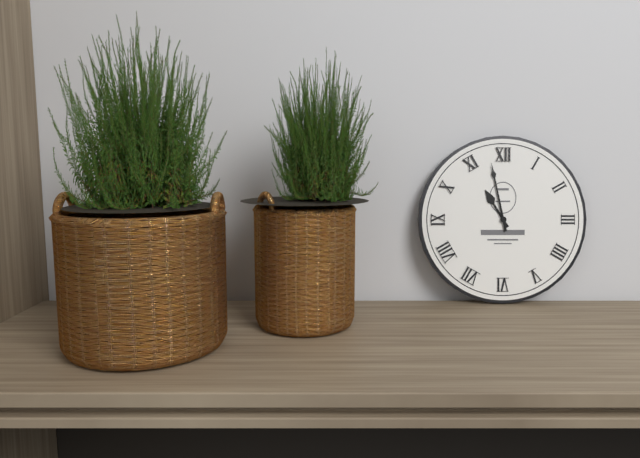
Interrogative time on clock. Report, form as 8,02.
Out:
10,58
